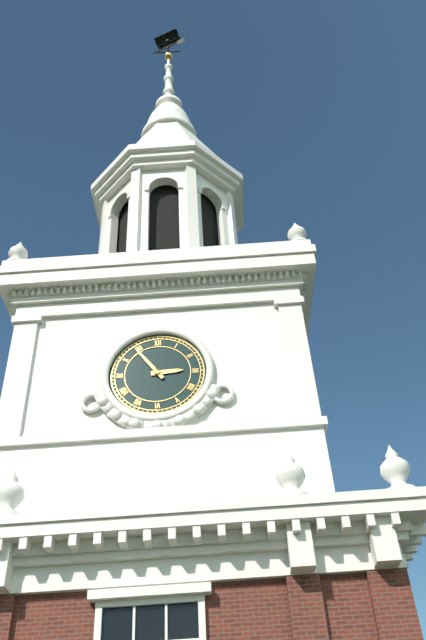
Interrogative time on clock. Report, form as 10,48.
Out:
2,54
